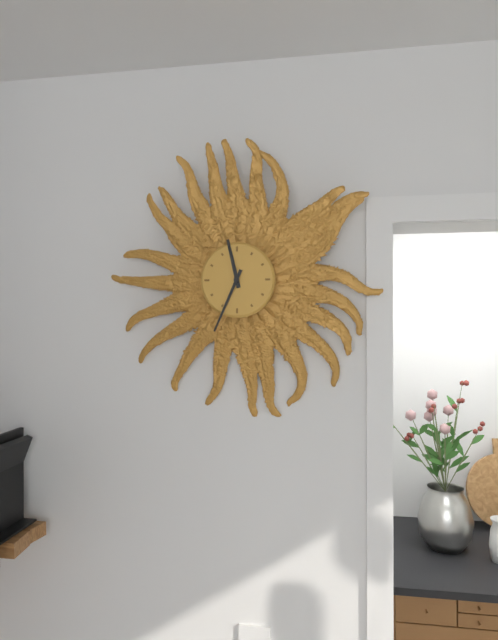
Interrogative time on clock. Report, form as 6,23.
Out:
11,34
